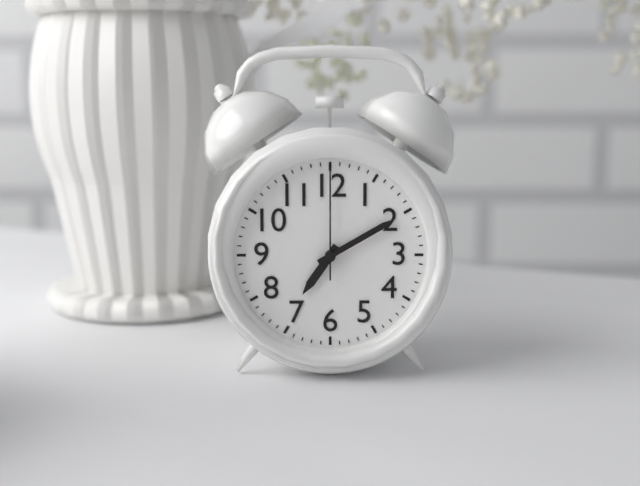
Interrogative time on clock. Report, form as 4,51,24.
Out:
7,10,00
